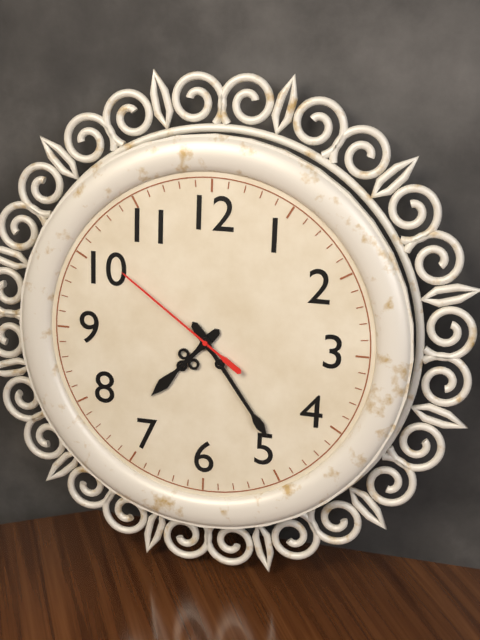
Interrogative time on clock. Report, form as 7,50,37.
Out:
7,24,51
